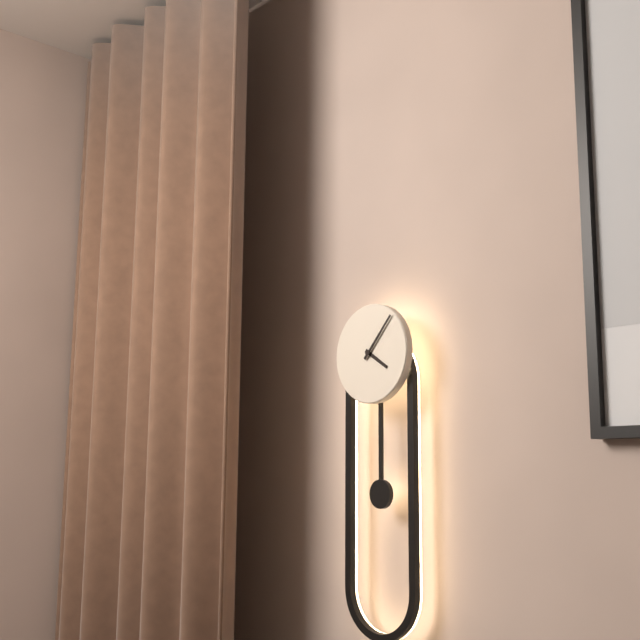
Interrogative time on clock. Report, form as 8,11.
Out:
4,07
